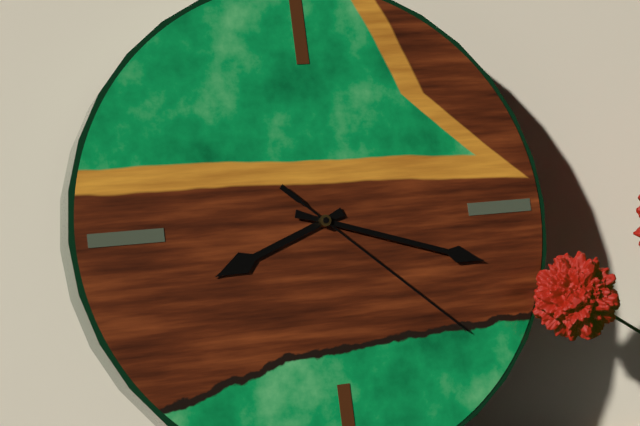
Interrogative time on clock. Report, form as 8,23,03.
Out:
8,18,22
